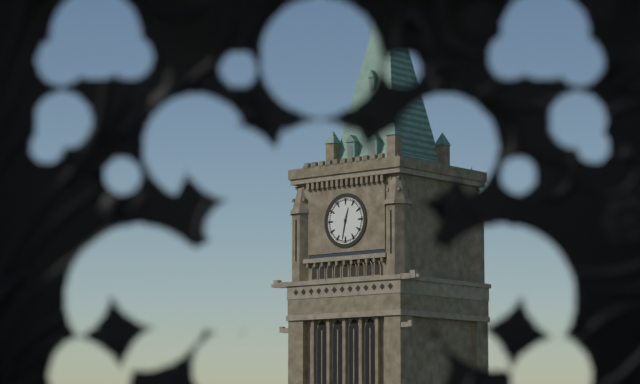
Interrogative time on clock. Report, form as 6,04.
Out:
12,32
